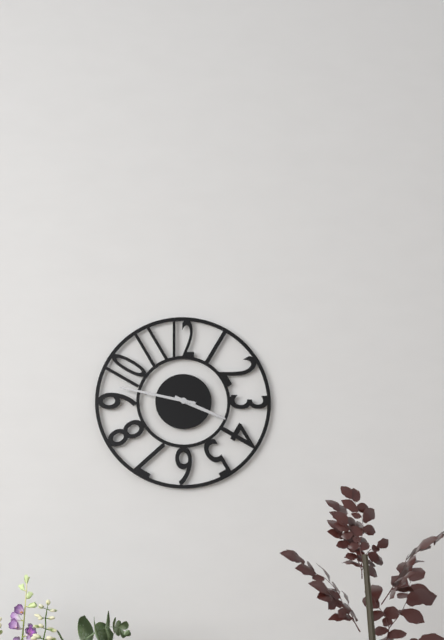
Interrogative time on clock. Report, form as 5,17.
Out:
3,47
